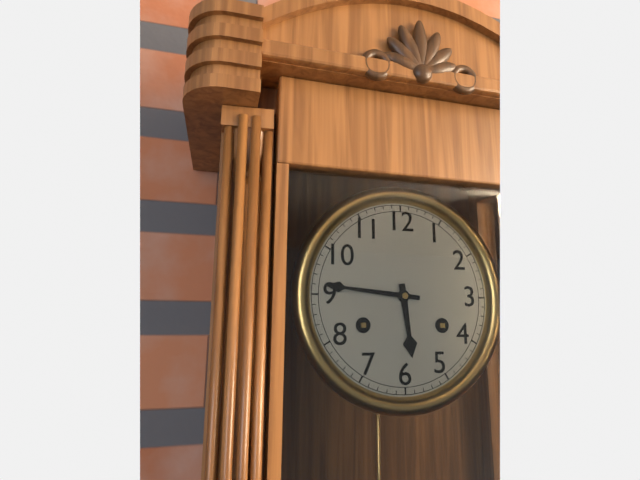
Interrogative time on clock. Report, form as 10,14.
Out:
5,46
